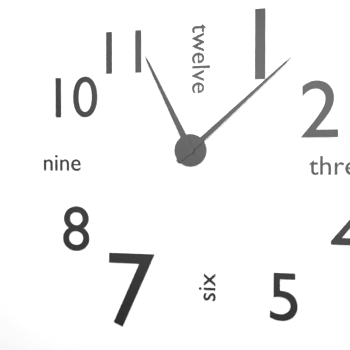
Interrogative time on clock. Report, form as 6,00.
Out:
11,08
